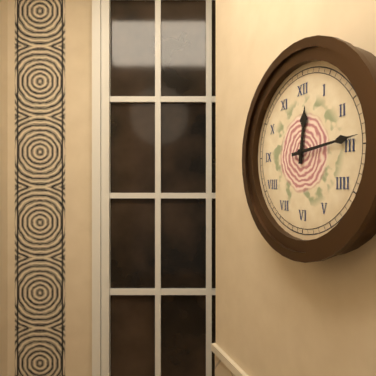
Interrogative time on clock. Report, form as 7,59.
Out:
12,14
